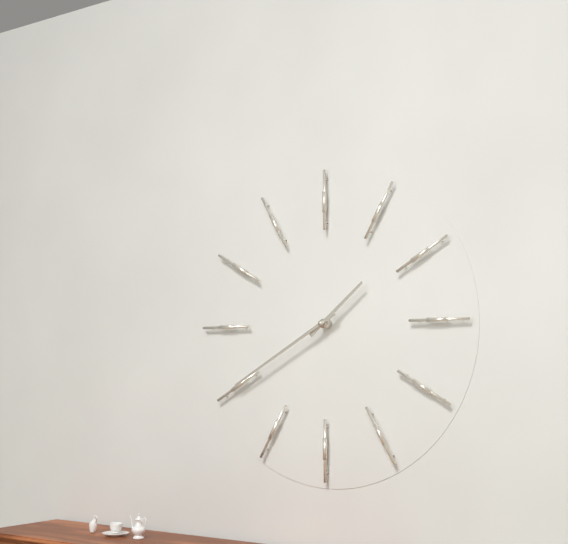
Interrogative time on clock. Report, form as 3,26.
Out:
1,40
